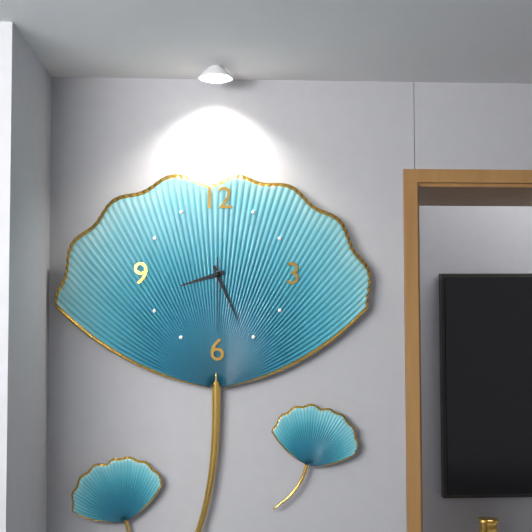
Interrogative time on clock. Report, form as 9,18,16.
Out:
8,26,30
